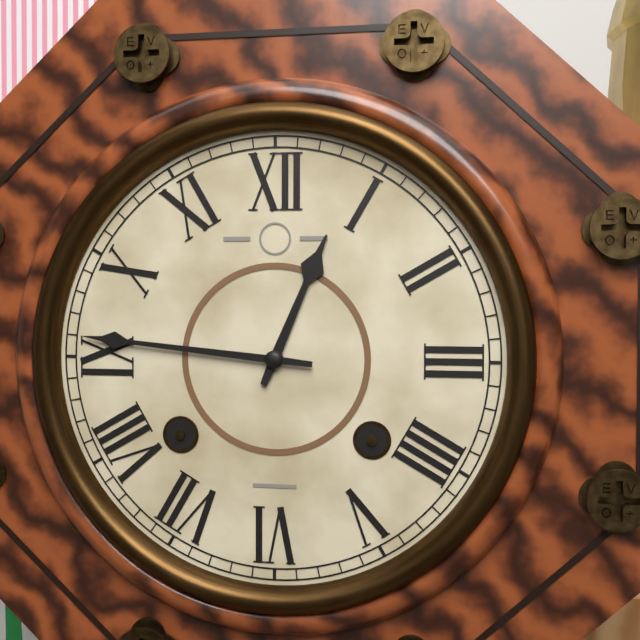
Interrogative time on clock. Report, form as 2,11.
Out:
12,46
